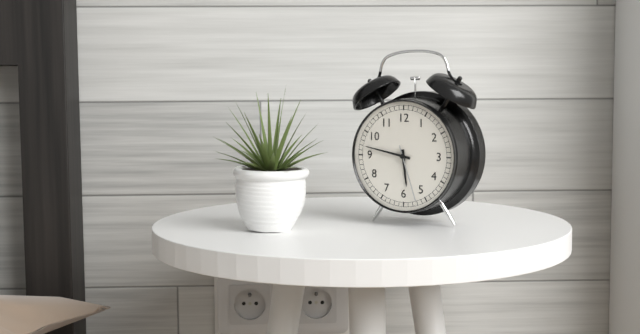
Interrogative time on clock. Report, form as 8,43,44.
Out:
5,47,27
